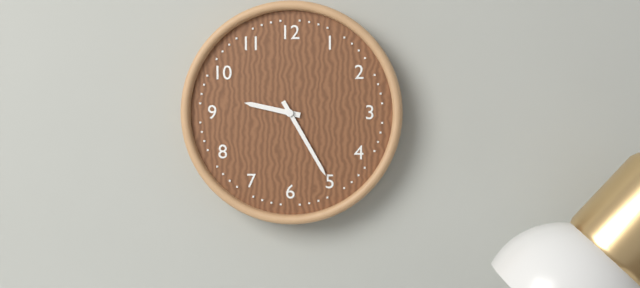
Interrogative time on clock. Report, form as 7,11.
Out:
9,25
